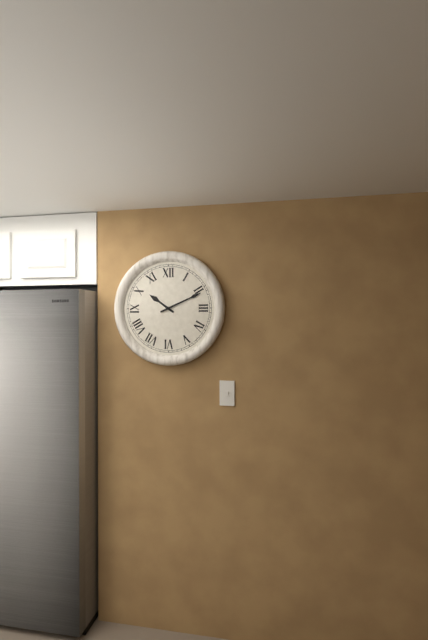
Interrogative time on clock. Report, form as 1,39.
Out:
10,11
